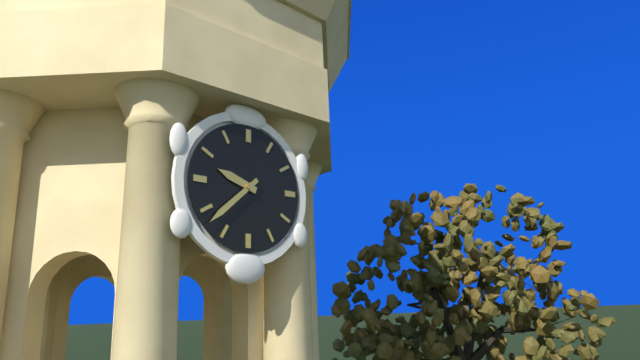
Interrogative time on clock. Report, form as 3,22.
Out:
9,38
